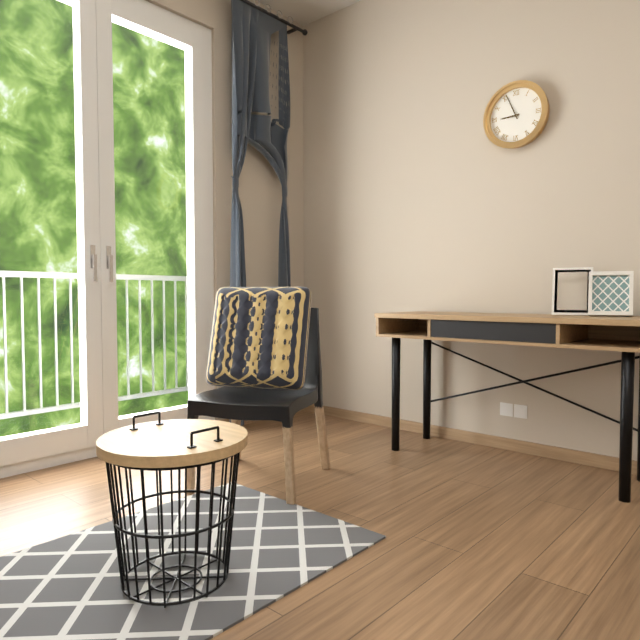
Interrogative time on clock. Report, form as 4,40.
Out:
8,56
